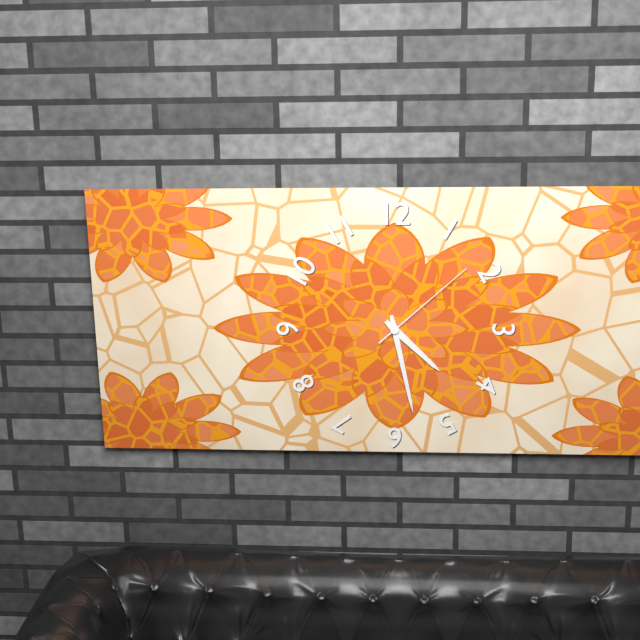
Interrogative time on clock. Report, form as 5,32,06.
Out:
4,28,08
